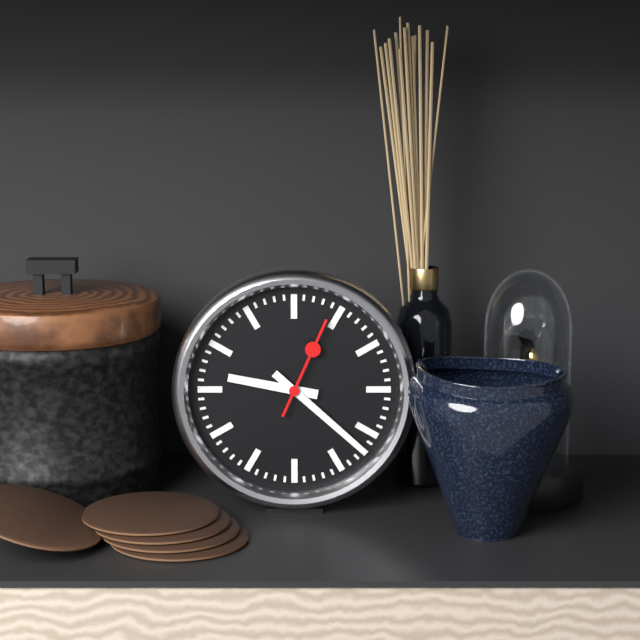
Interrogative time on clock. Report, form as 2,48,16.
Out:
9,22,04
